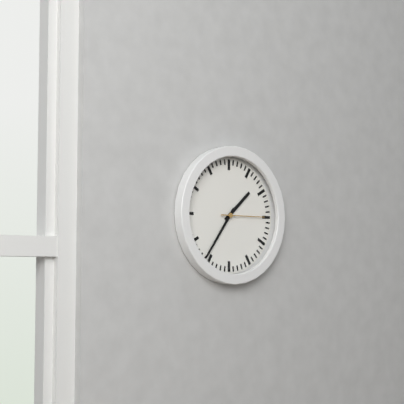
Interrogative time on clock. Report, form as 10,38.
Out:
1,36
